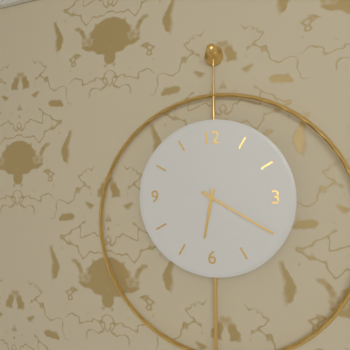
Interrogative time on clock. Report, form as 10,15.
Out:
6,20
